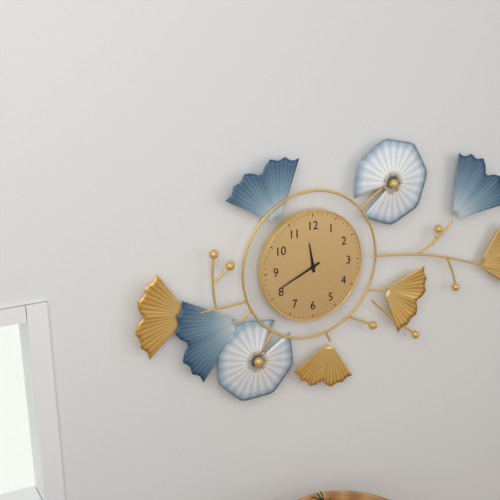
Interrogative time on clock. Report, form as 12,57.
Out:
11,41
